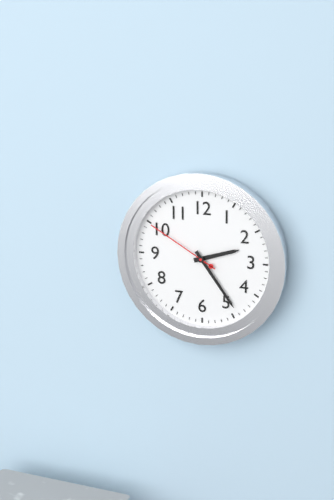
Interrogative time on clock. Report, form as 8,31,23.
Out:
2,24,50
